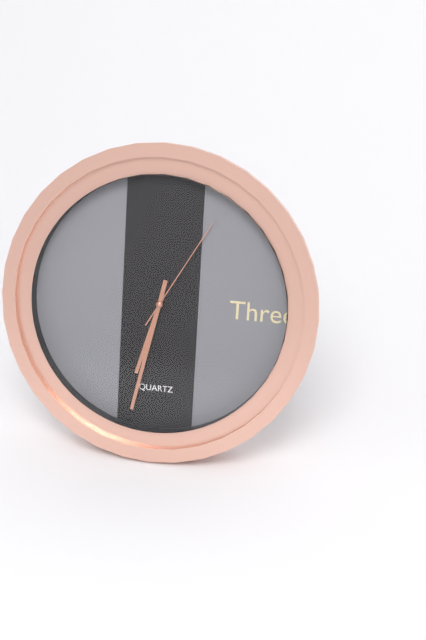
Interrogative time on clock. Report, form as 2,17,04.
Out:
6,32,05
